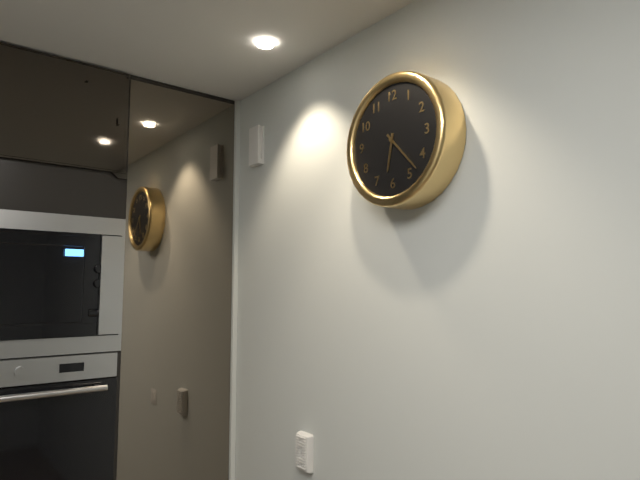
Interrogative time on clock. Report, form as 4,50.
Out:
6,23
